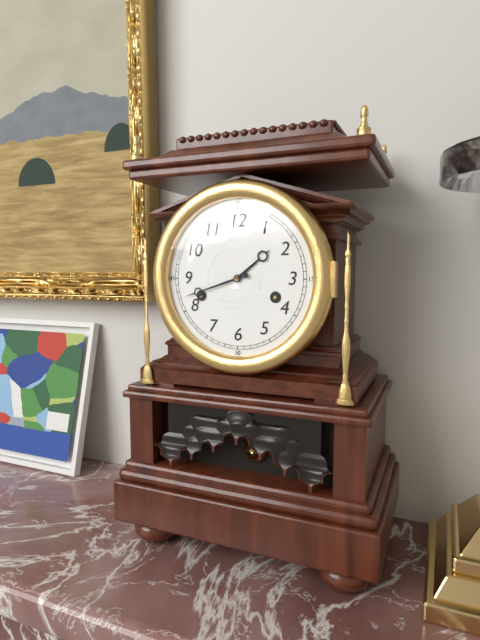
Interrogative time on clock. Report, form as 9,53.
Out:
1,42
